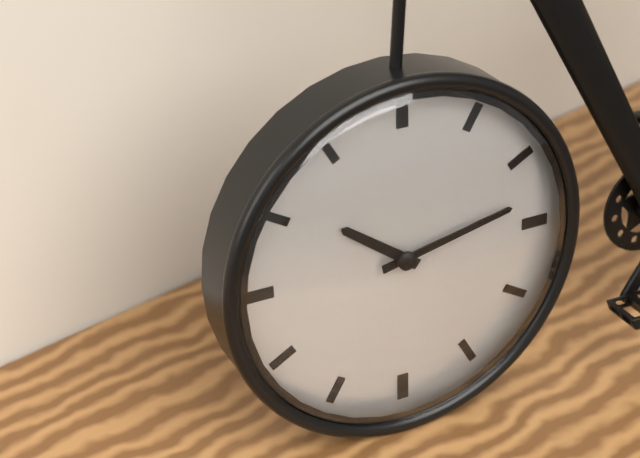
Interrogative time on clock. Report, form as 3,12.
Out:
10,13
